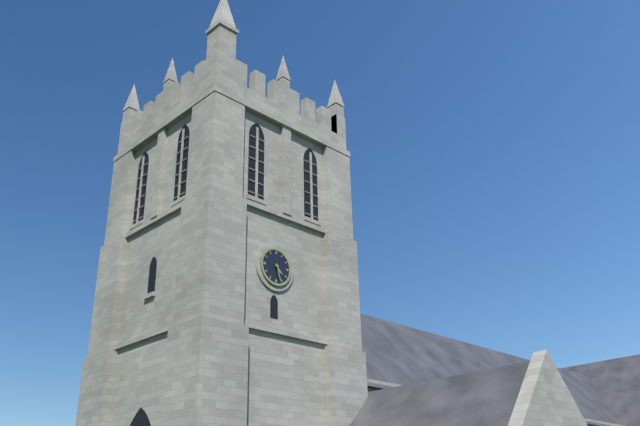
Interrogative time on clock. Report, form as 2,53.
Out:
4,27
